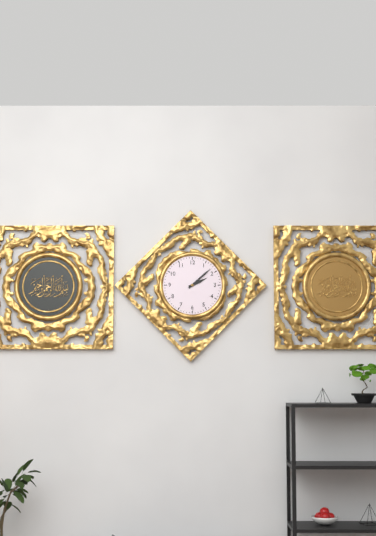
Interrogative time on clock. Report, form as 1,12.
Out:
2,08
